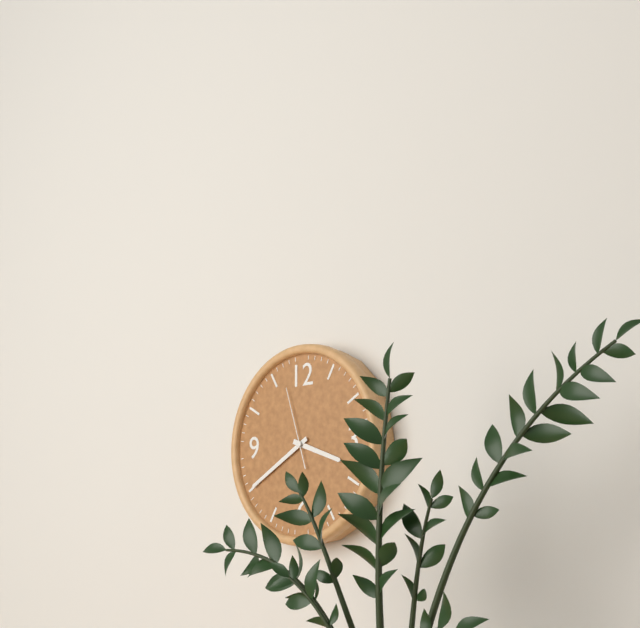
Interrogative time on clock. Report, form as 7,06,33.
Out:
3,40,57
